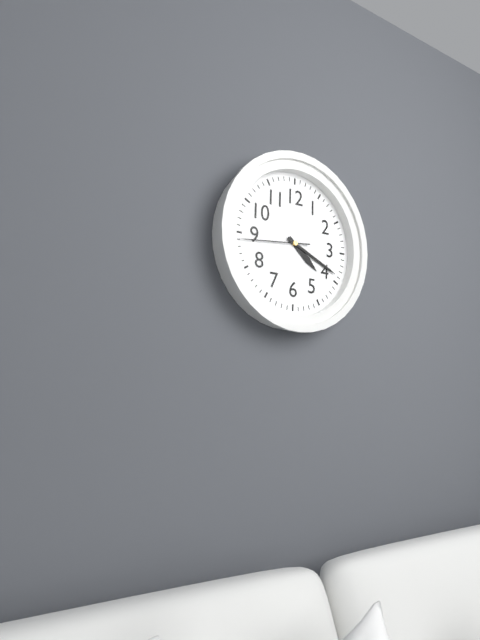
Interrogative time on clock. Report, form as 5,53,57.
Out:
4,19,44
